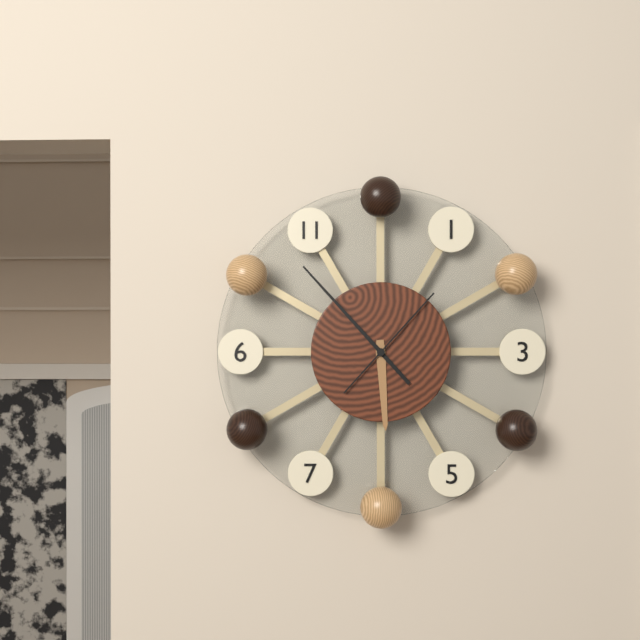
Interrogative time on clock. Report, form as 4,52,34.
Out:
5,53,07
